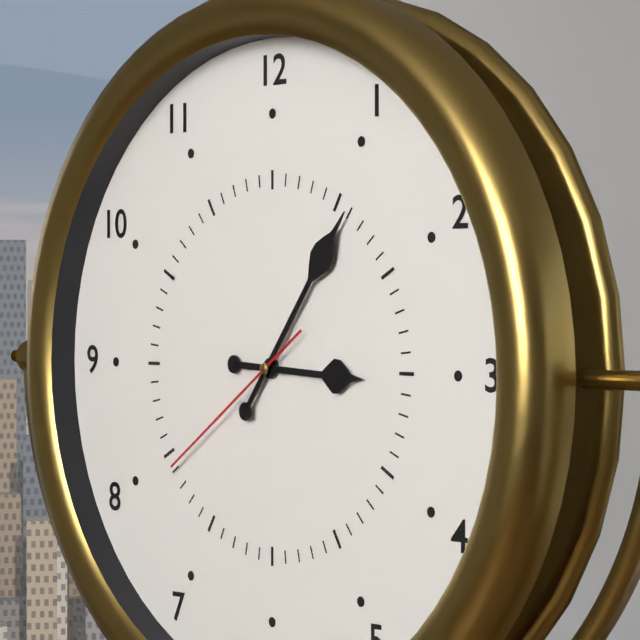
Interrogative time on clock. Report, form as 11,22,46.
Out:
3,06,39
